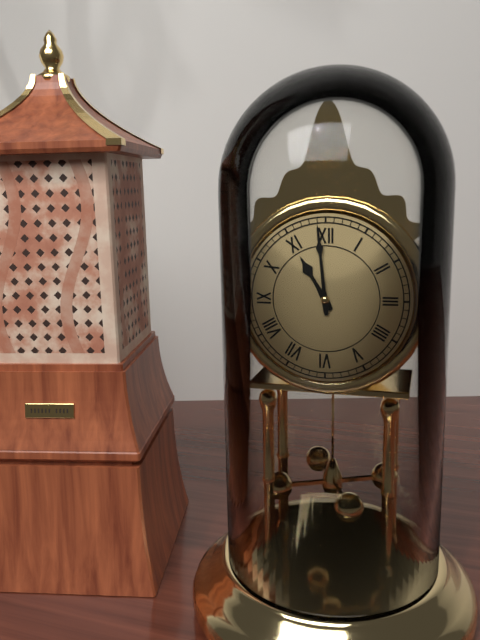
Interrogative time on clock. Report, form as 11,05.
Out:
10,59
